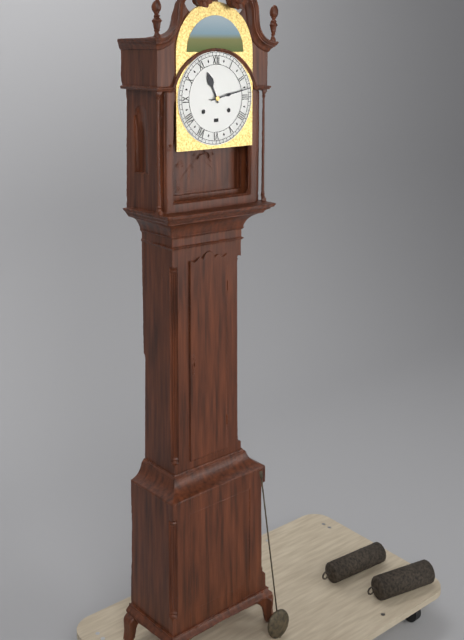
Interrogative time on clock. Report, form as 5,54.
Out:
11,13
